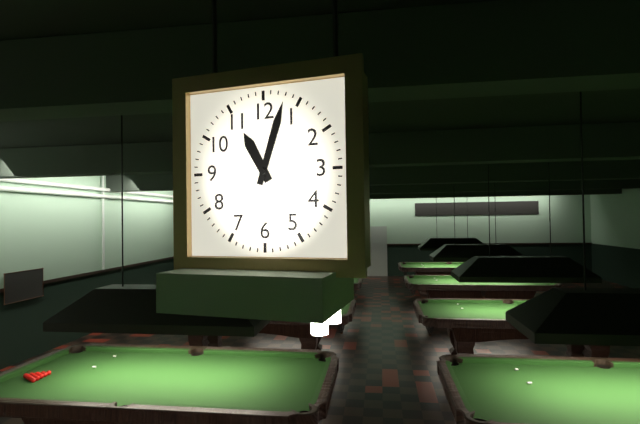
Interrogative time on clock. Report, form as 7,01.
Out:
11,03
